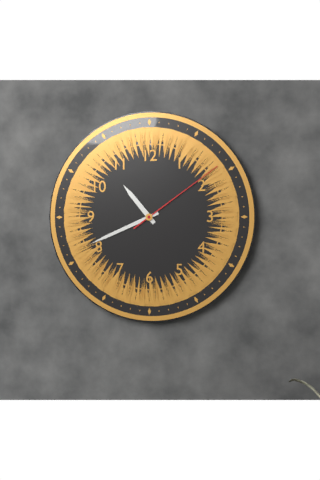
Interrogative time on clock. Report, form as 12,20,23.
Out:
10,41,09
